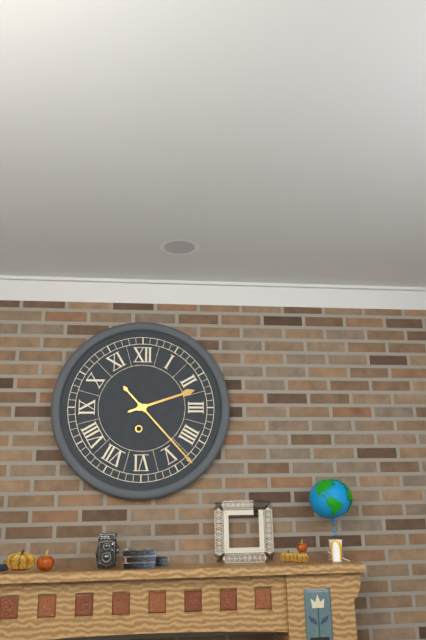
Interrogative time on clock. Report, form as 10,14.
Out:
2,23
